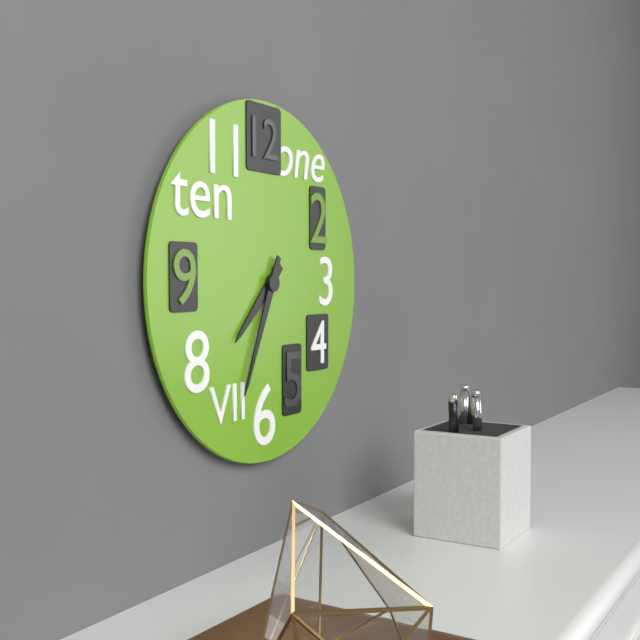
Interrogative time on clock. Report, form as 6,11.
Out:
7,34
